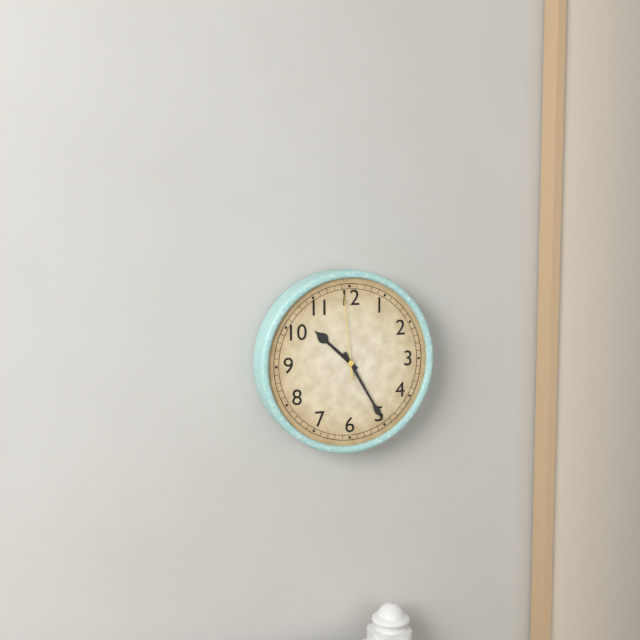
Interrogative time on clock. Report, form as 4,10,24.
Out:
10,25,59
